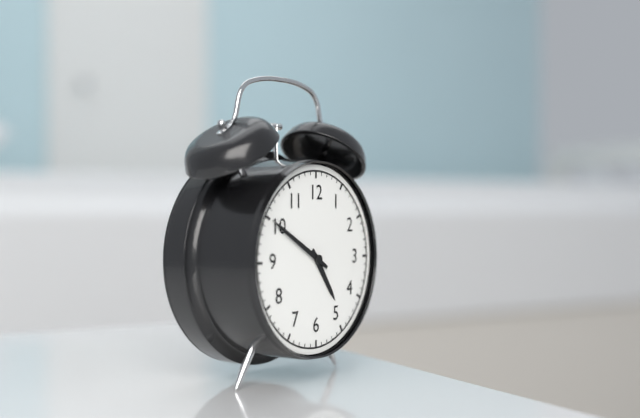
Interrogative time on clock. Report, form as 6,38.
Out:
4,50
